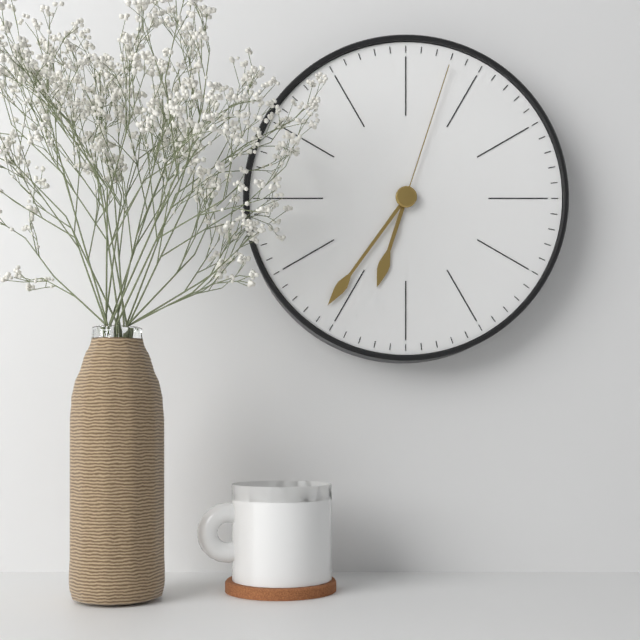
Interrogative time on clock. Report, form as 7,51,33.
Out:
6,36,03
